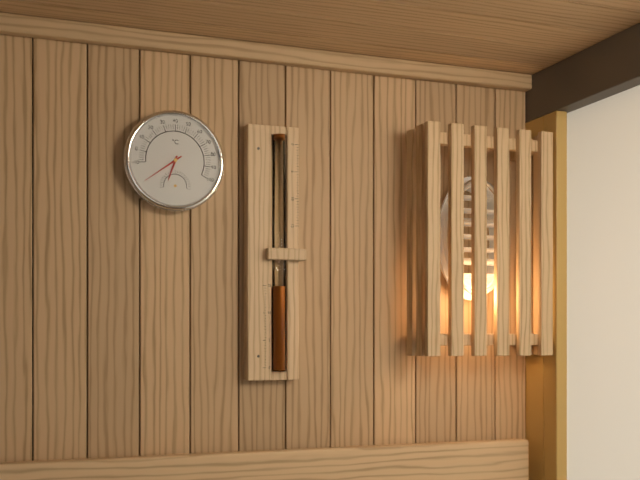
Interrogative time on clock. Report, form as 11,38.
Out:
6,39
